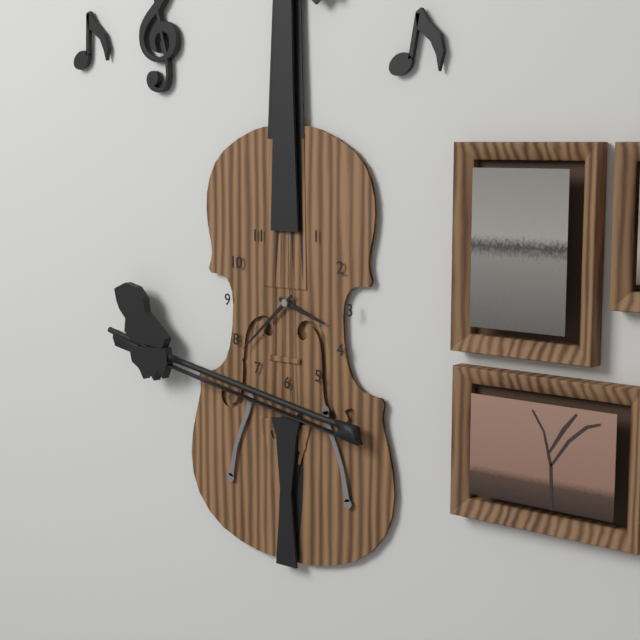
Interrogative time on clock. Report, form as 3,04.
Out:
3,38
